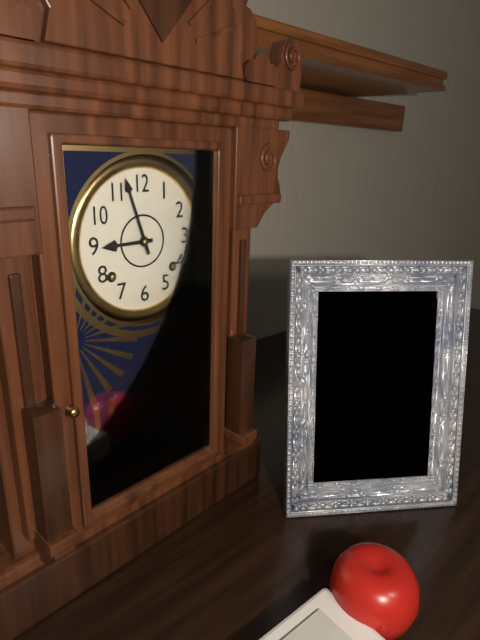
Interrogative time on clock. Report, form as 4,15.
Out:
8,57
